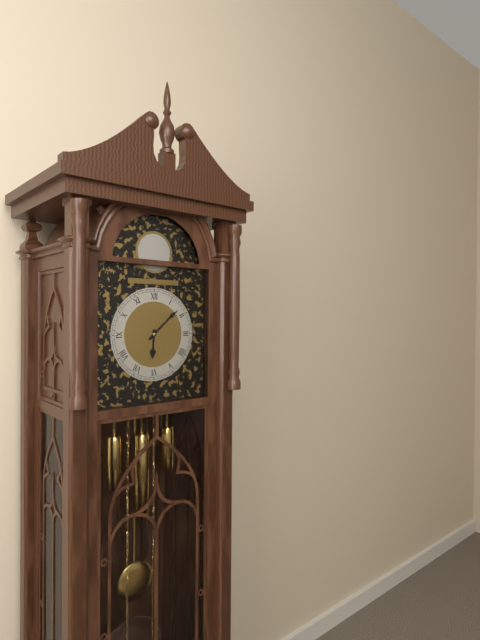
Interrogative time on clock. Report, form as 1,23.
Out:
6,08
